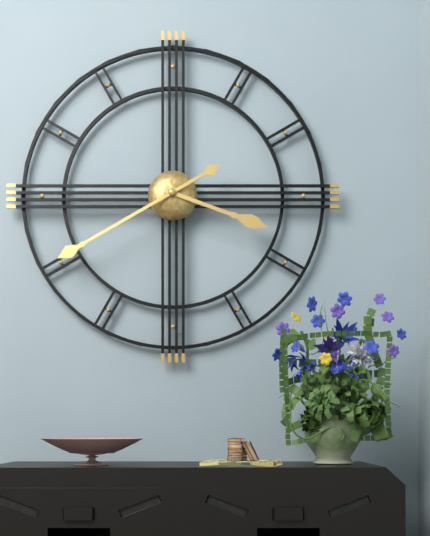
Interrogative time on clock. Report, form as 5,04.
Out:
3,40
